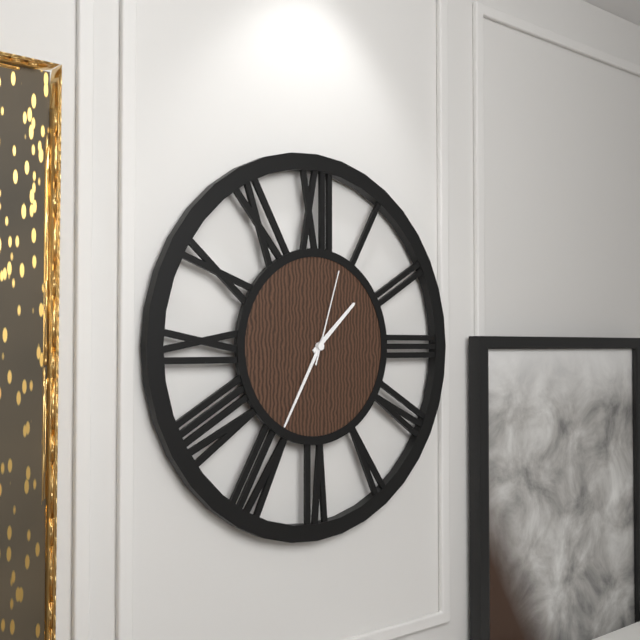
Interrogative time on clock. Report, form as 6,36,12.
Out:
1,35,03
